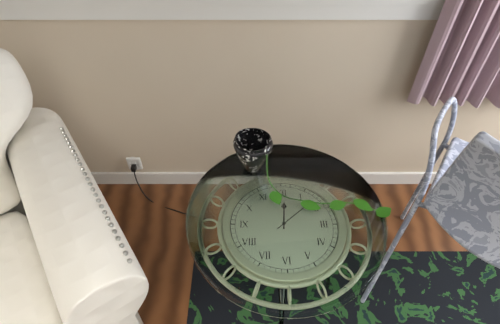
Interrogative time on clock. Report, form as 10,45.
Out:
12,08
